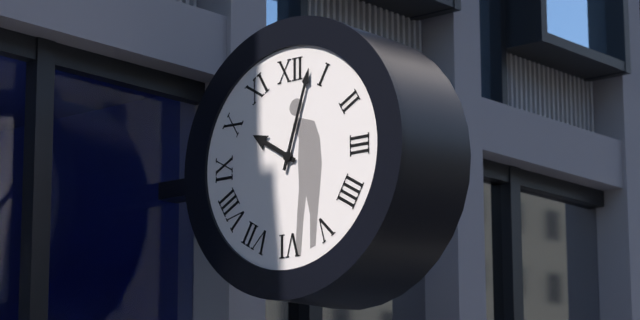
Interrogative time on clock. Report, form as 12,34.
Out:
10,03
